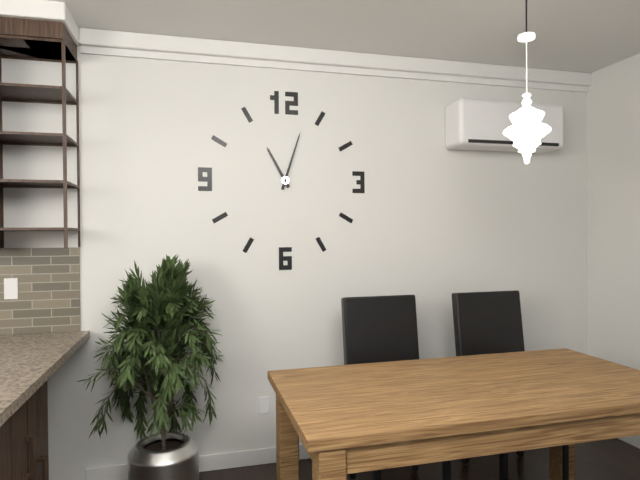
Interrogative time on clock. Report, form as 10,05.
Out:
11,03
